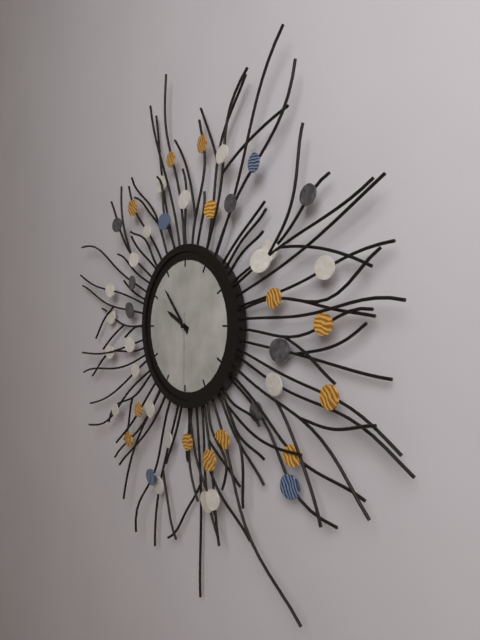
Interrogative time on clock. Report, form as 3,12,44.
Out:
9,53,30
